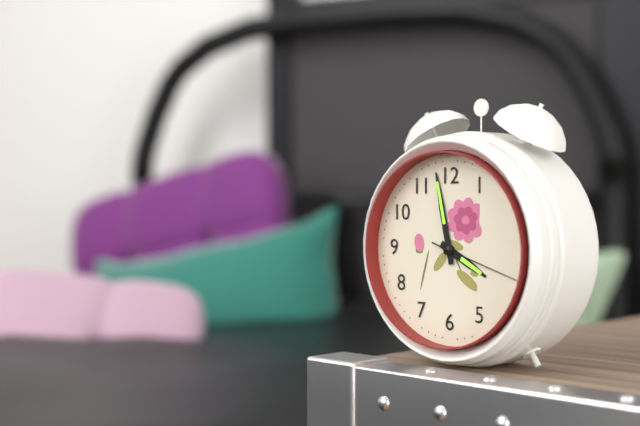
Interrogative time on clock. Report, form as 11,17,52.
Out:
3,58,18
